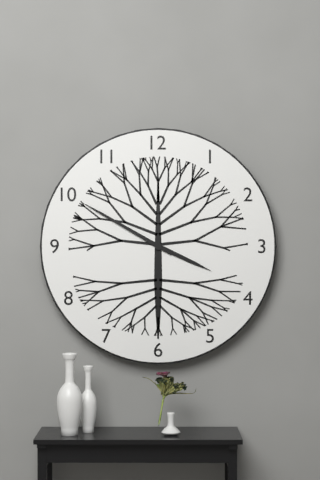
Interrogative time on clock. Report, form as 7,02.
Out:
3,50
